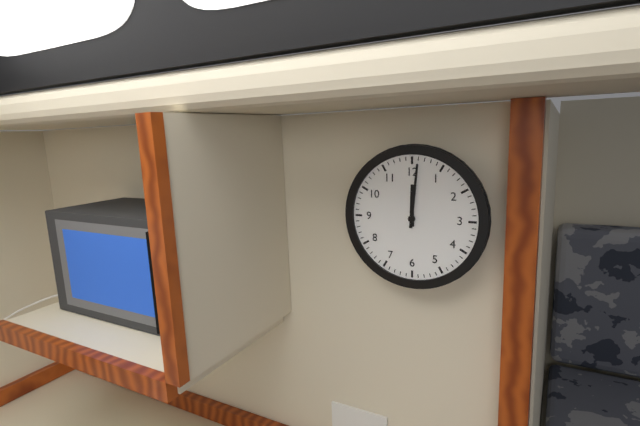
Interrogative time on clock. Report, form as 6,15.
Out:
12,01
